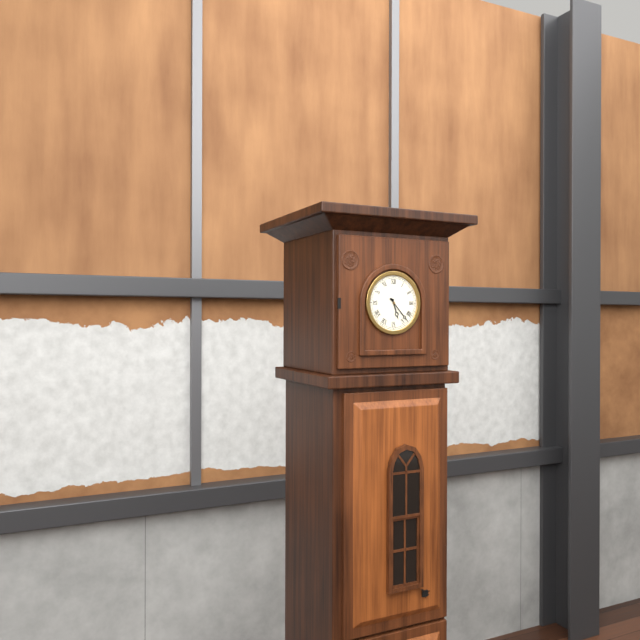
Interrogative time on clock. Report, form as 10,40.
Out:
5,23
